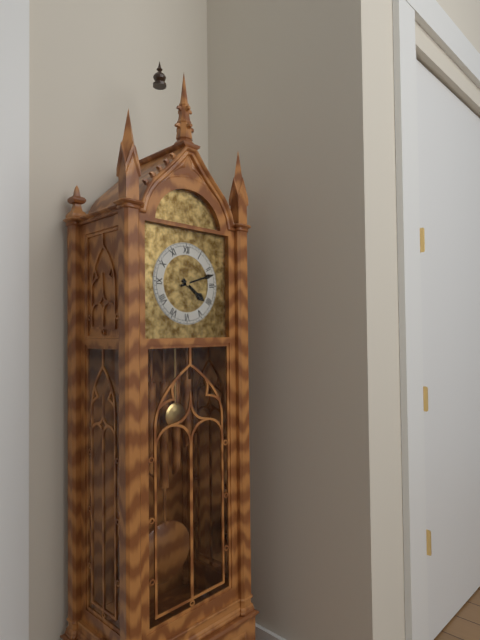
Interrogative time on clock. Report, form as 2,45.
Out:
4,12
